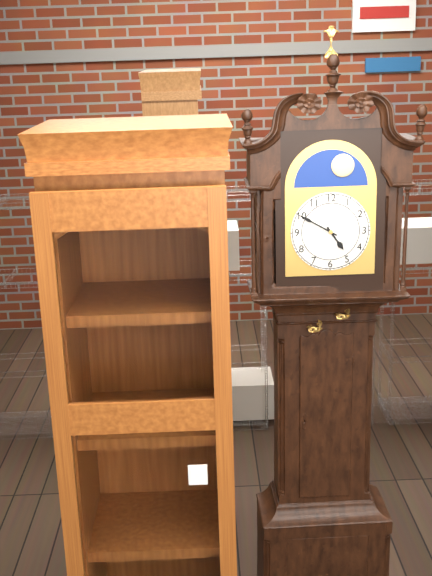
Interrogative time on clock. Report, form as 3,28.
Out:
4,50
